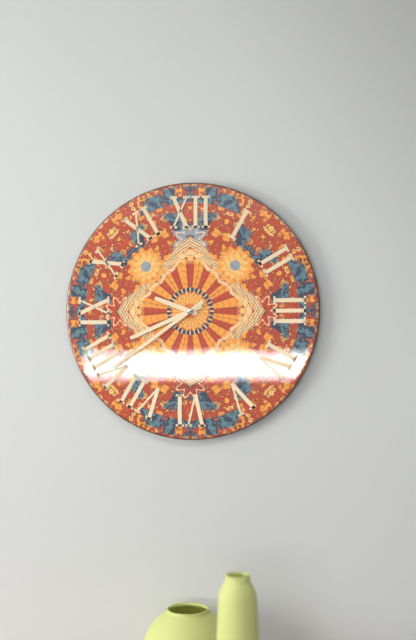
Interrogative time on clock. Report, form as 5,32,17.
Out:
9,41,39
